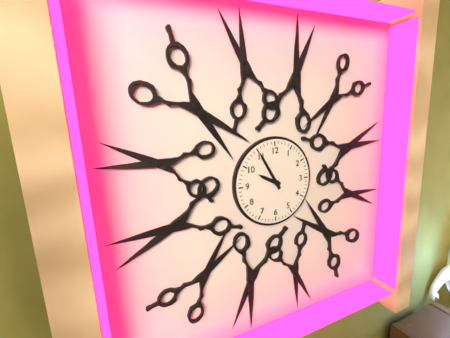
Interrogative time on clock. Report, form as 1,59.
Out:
9,55
